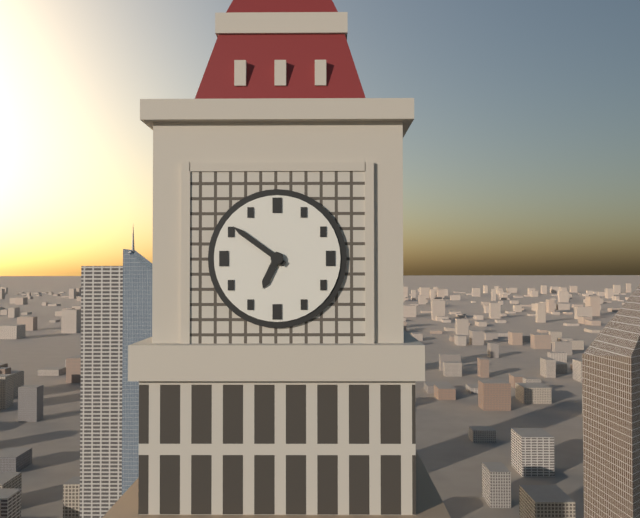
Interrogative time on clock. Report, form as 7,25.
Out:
6,51
